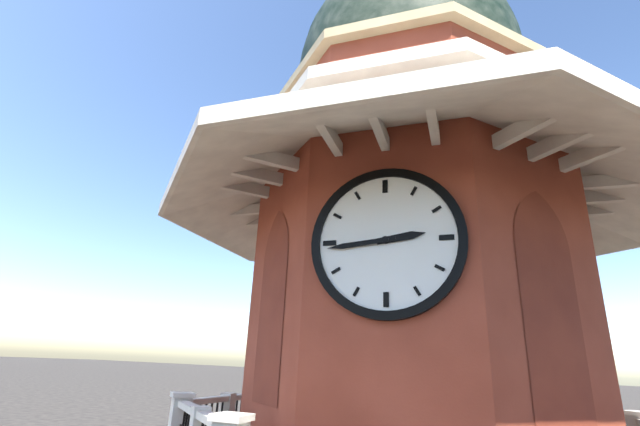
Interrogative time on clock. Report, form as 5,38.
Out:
2,44
